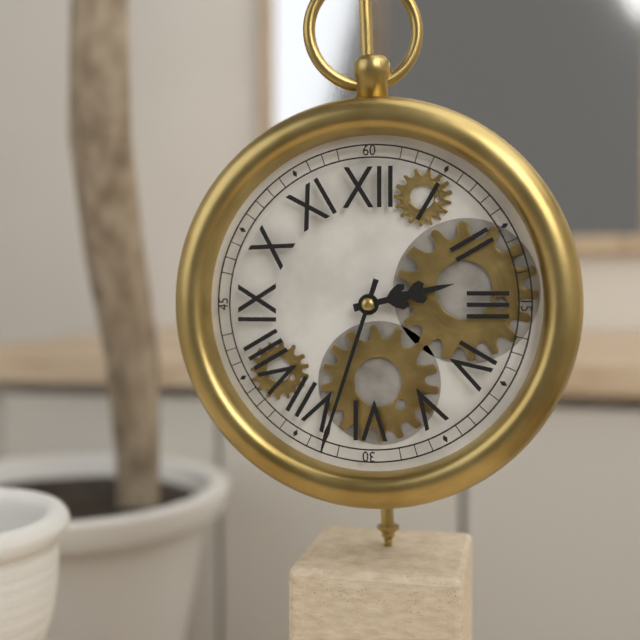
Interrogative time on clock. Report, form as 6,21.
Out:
2,33
